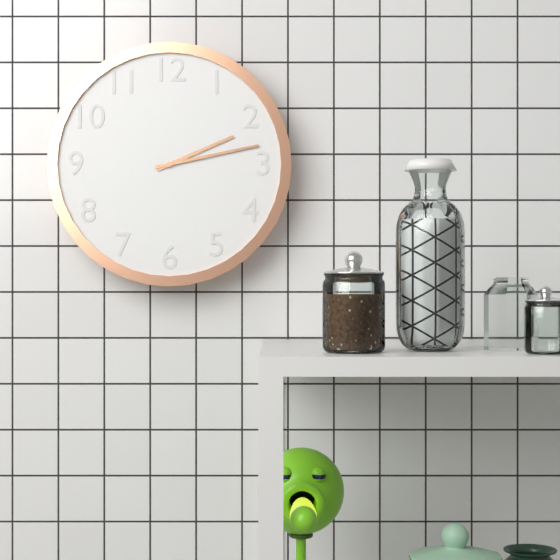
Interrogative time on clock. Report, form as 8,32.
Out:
2,13
